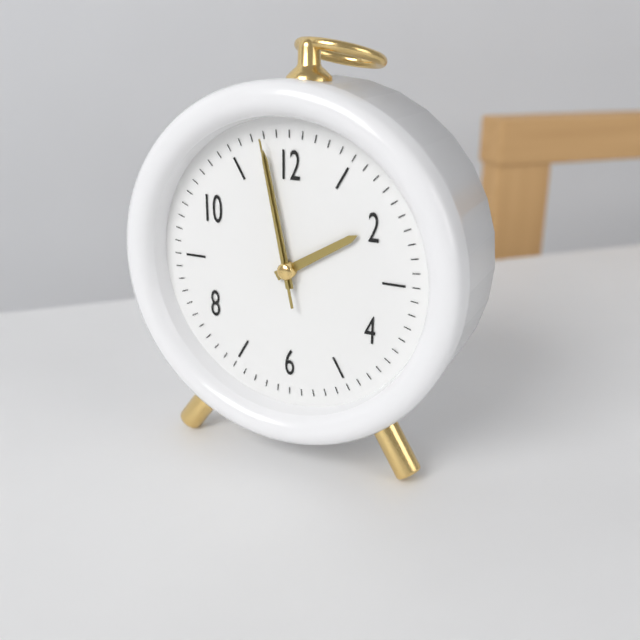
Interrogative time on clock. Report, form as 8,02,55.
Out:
1,58,58
